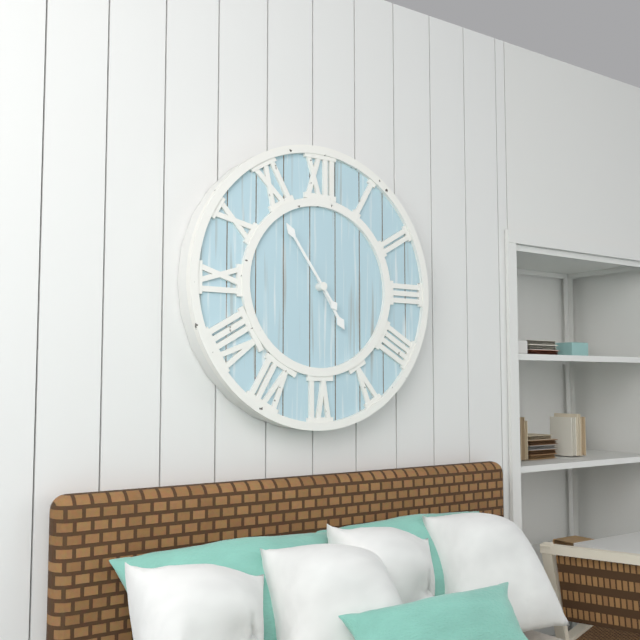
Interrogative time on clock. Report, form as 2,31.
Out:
4,54
